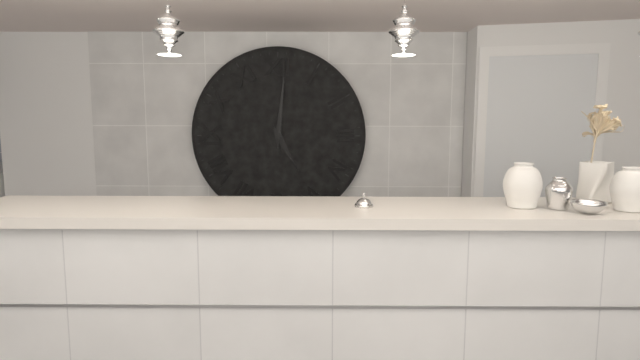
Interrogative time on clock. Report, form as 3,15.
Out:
5,01
